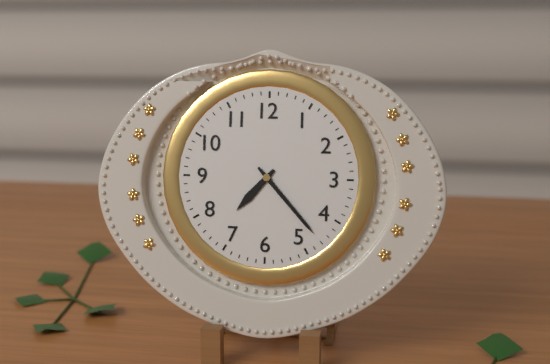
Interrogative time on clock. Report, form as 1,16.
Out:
7,23
